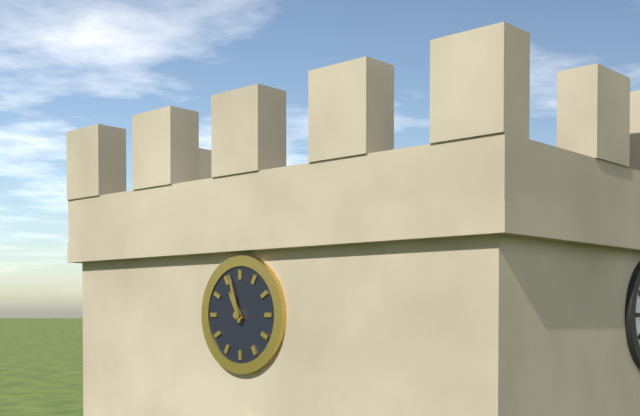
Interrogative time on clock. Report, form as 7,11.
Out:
10,57
